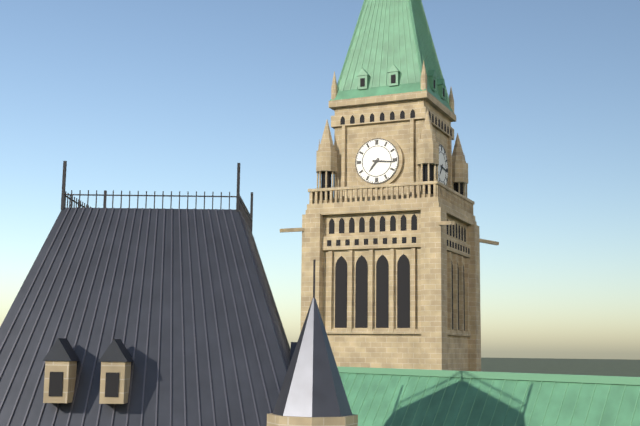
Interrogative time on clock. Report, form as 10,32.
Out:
7,16
